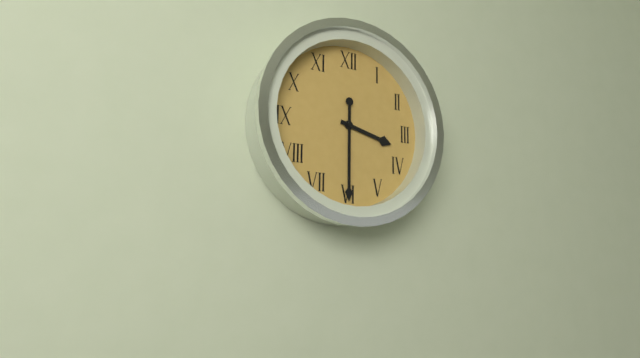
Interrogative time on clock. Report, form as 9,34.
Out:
3,30
